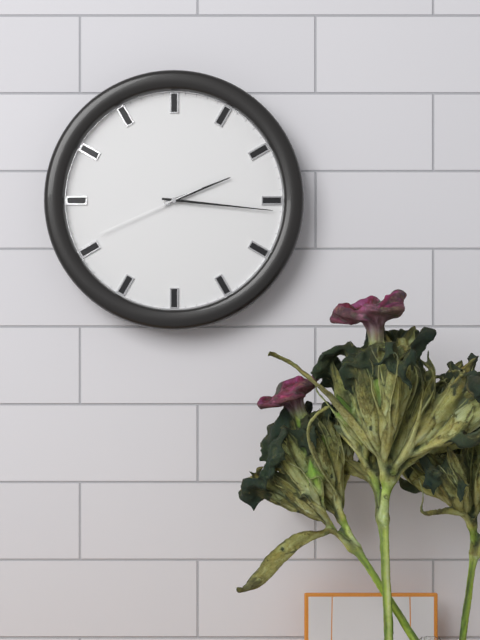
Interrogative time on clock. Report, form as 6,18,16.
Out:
2,16,41
